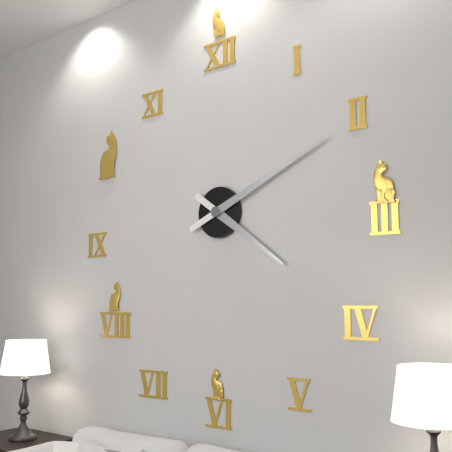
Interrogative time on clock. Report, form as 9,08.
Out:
4,11
